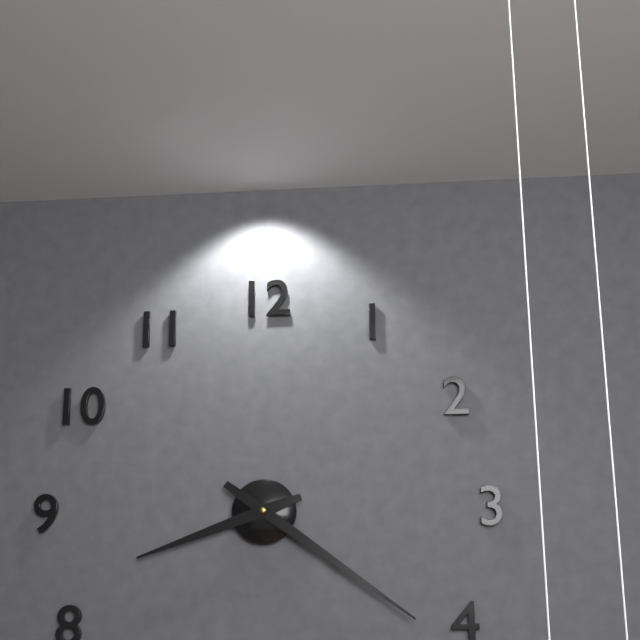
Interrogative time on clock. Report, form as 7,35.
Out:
8,21
